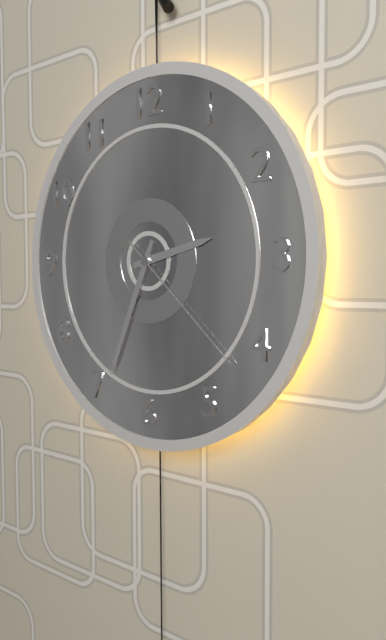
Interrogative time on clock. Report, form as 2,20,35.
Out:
2,34,22
